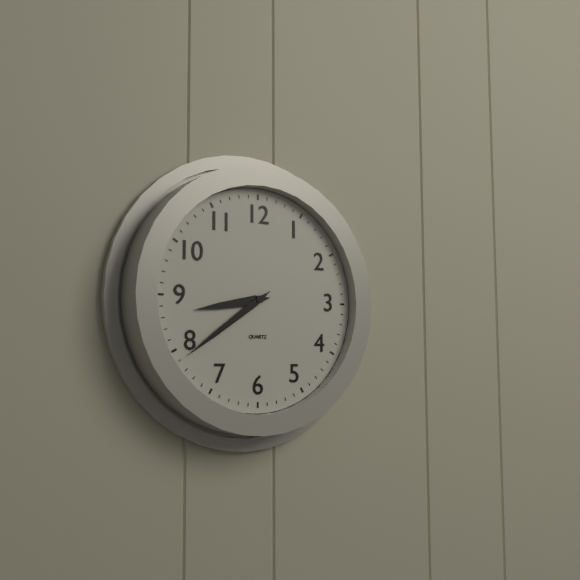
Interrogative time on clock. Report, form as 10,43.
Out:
8,39
